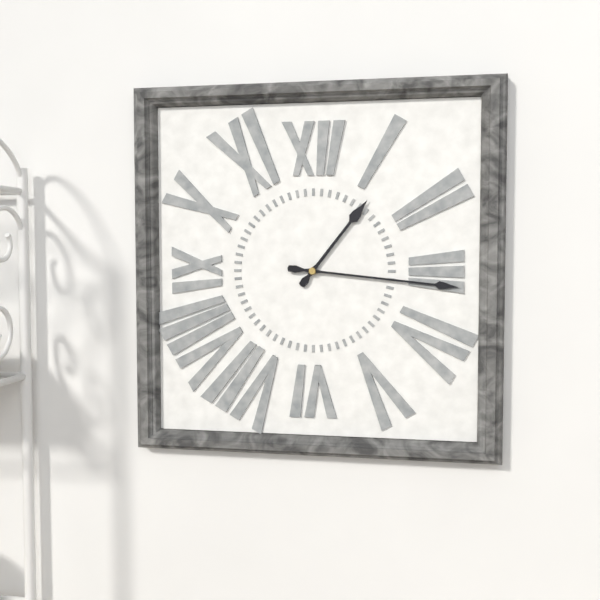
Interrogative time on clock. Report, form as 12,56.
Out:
1,16
